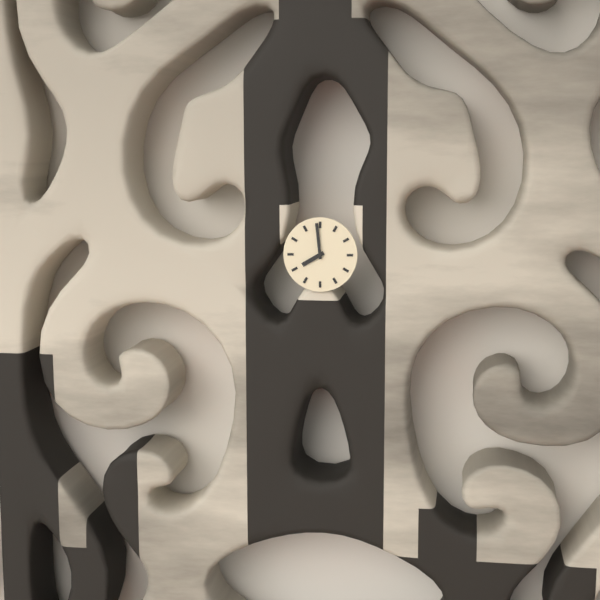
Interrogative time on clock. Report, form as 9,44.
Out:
7,59
